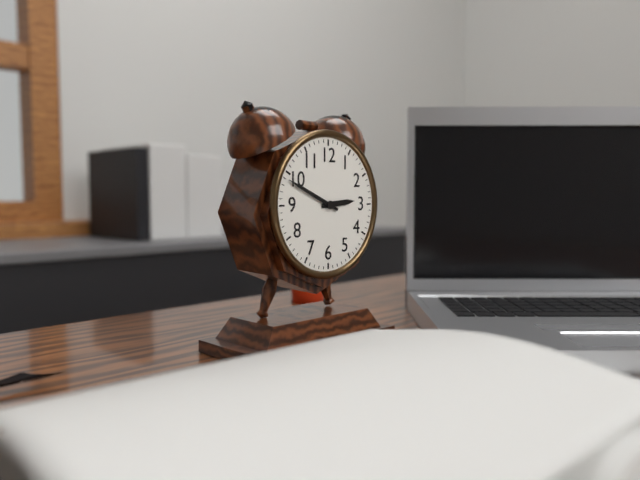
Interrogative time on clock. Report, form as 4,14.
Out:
2,49
